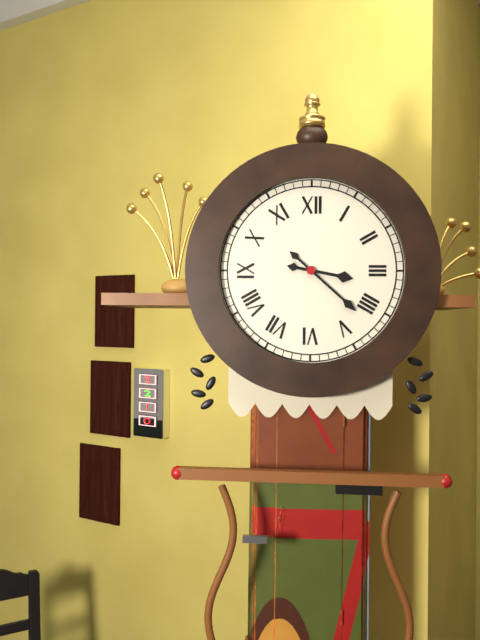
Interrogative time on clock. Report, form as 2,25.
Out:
3,22
